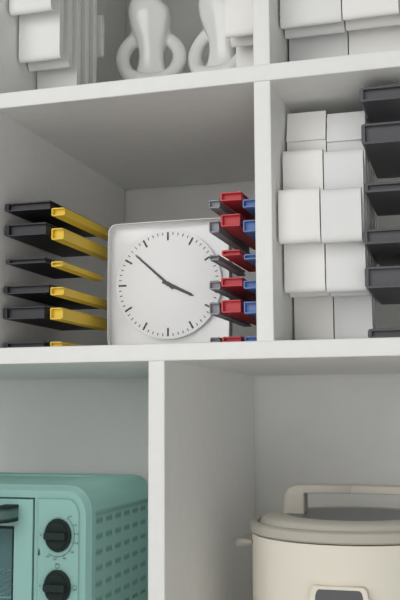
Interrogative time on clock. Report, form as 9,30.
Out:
3,52
